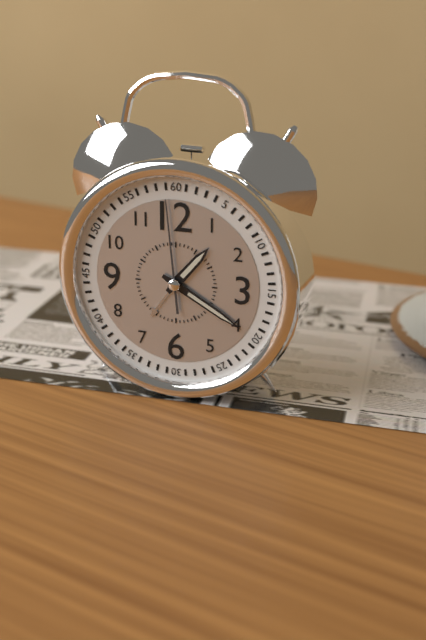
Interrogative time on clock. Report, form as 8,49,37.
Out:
1,20,59
